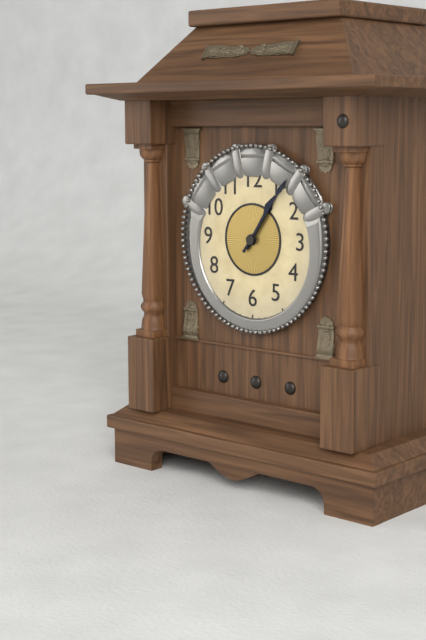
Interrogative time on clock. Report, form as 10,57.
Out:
1,06
